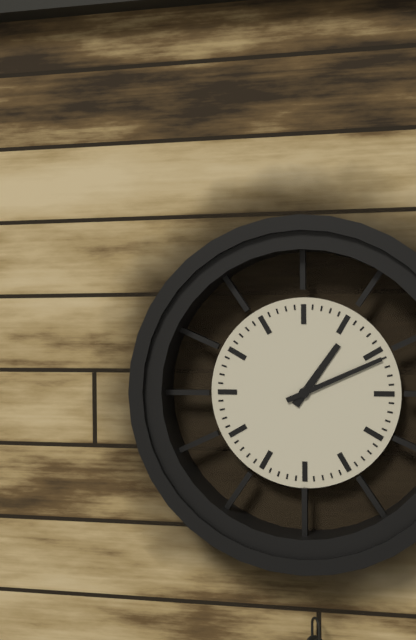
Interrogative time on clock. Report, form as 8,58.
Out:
1,11
